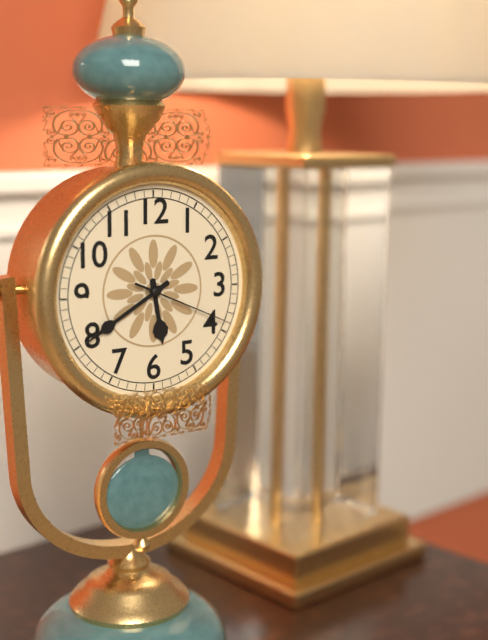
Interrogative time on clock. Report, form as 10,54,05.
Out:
5,40,19
